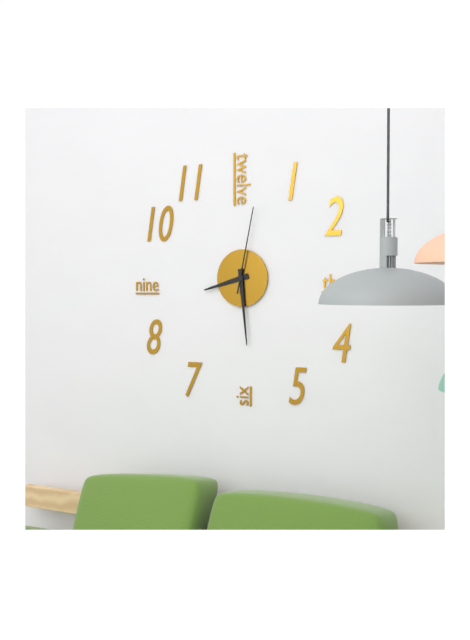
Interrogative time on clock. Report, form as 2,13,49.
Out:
8,29,02
